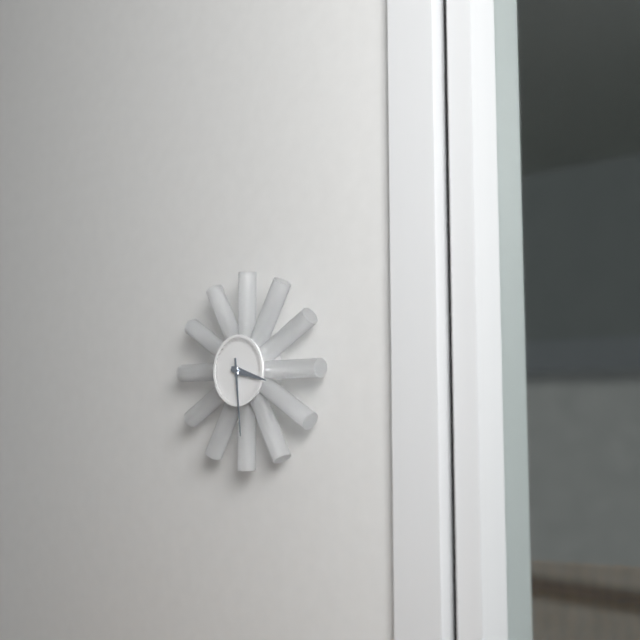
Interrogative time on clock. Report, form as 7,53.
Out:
3,29
